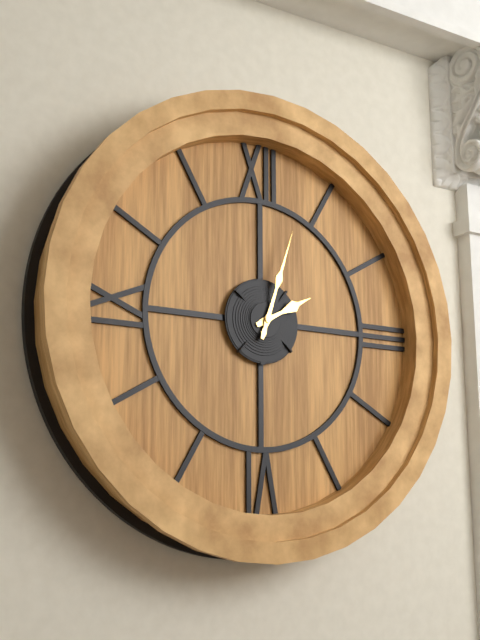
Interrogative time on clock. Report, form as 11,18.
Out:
2,03
